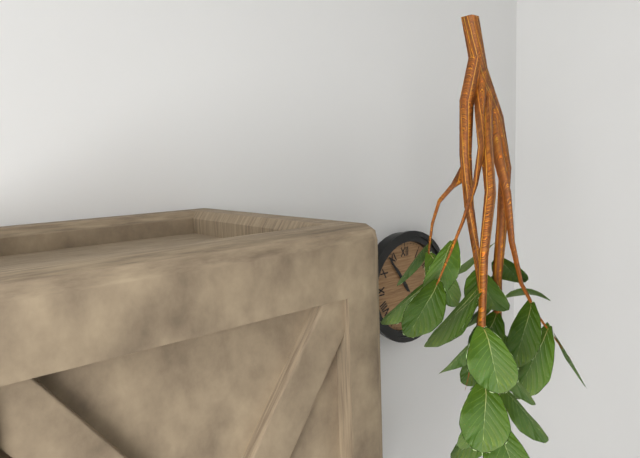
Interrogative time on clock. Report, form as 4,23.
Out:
10,54
